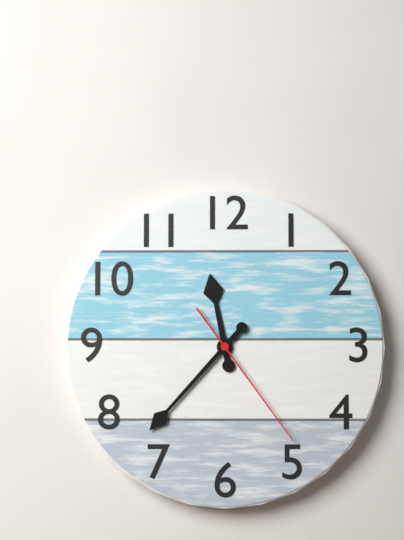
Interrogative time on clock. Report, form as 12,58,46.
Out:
11,37,24
